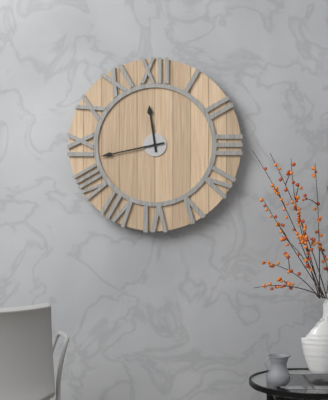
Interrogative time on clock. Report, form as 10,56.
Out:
11,43
